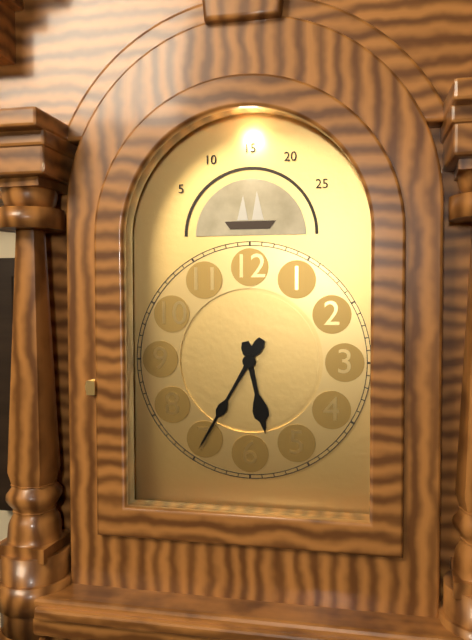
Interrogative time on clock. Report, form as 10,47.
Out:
5,35
